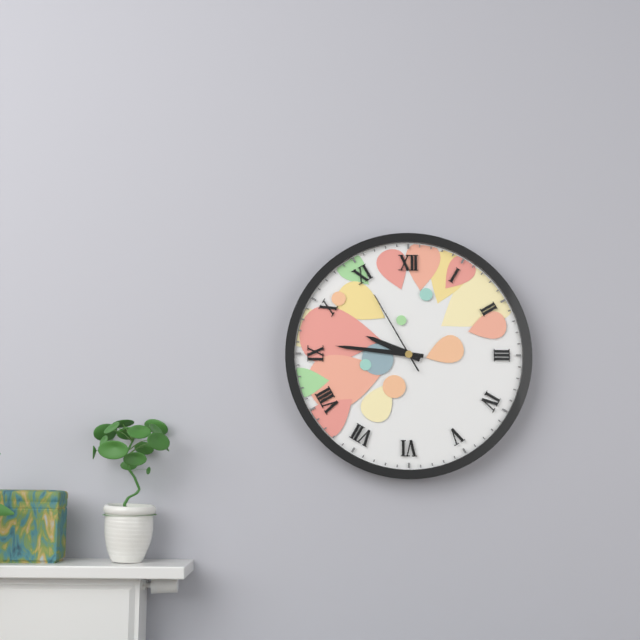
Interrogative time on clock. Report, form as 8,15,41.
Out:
9,46,55
